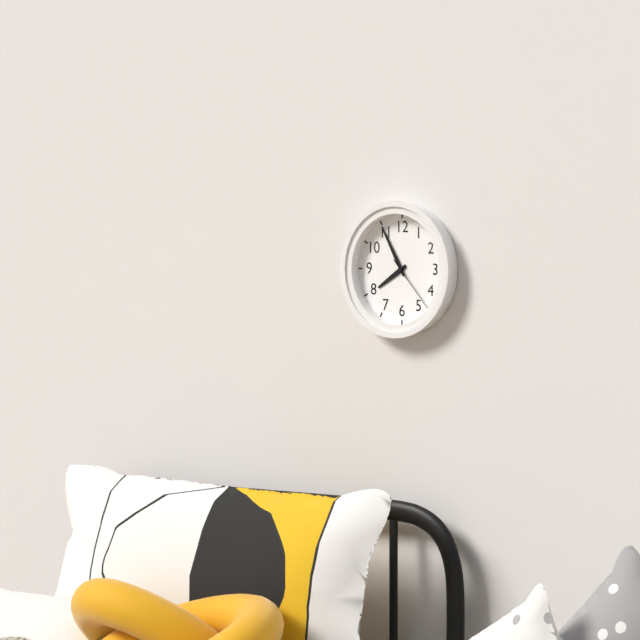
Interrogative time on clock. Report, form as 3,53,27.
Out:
7,55,23
